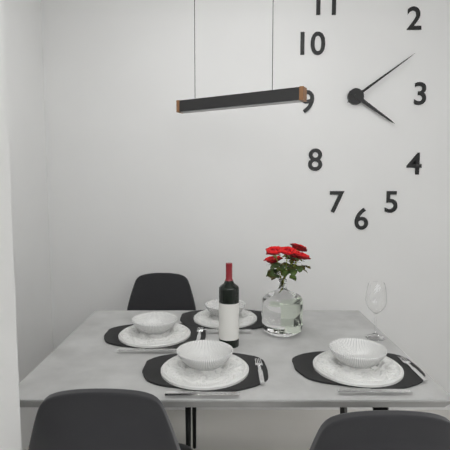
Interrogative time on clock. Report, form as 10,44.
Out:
4,09
